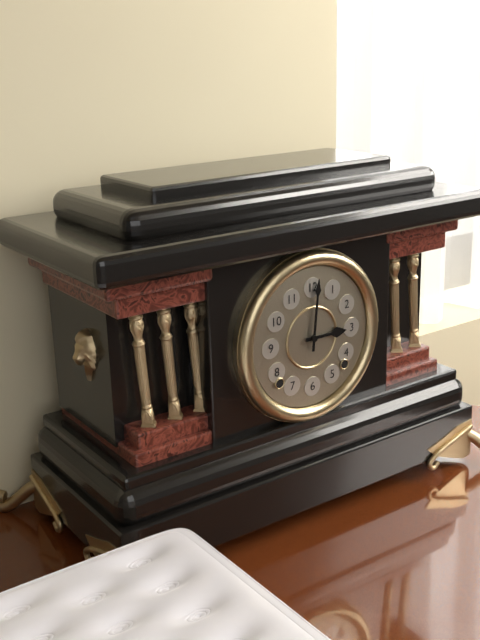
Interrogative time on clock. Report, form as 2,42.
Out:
3,01
